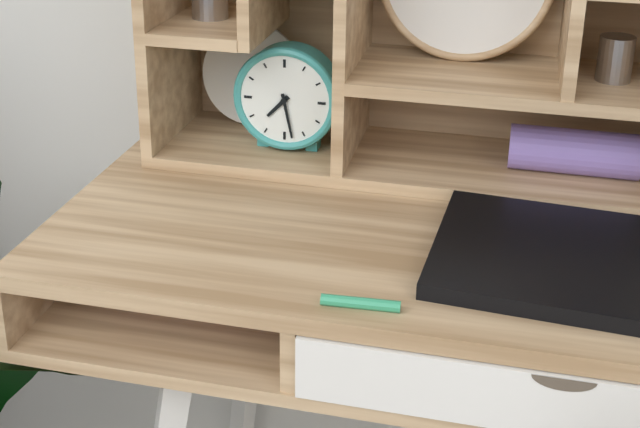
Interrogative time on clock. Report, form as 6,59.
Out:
7,28
